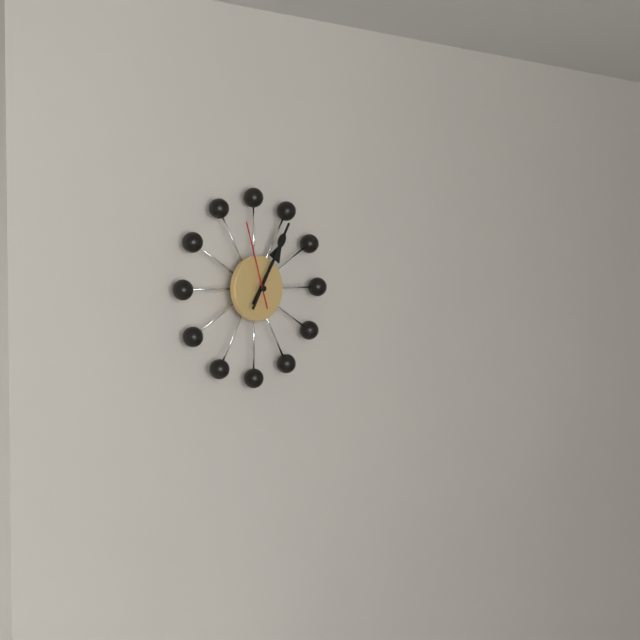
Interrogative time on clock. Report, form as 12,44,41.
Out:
1,05,57
